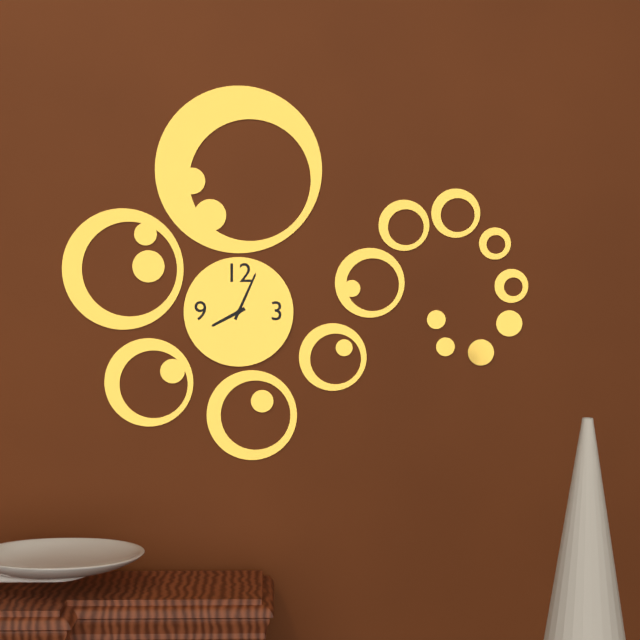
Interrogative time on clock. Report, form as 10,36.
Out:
8,04
